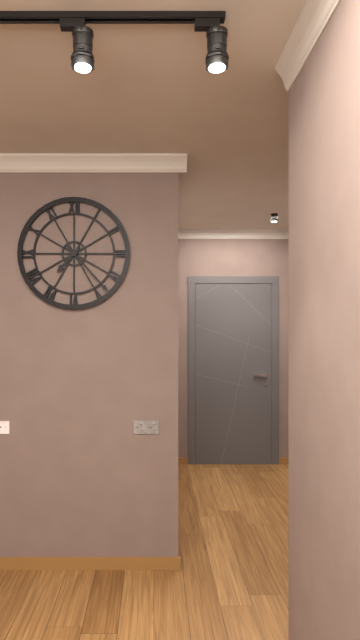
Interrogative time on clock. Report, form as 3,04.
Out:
7,23
